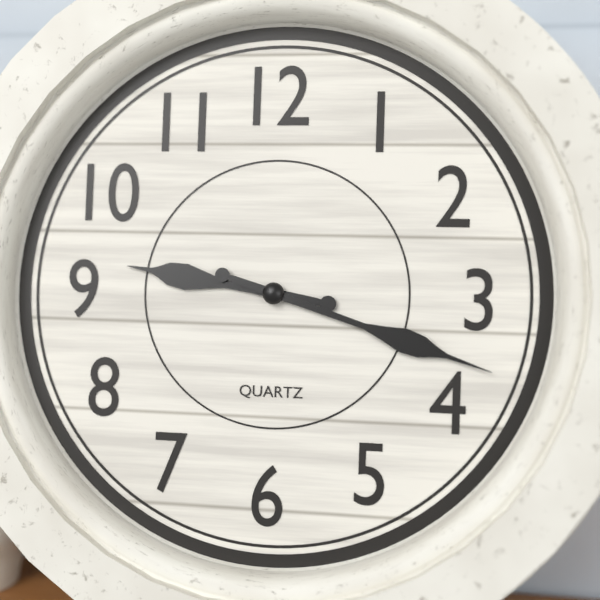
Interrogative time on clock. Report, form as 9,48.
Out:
9,18
